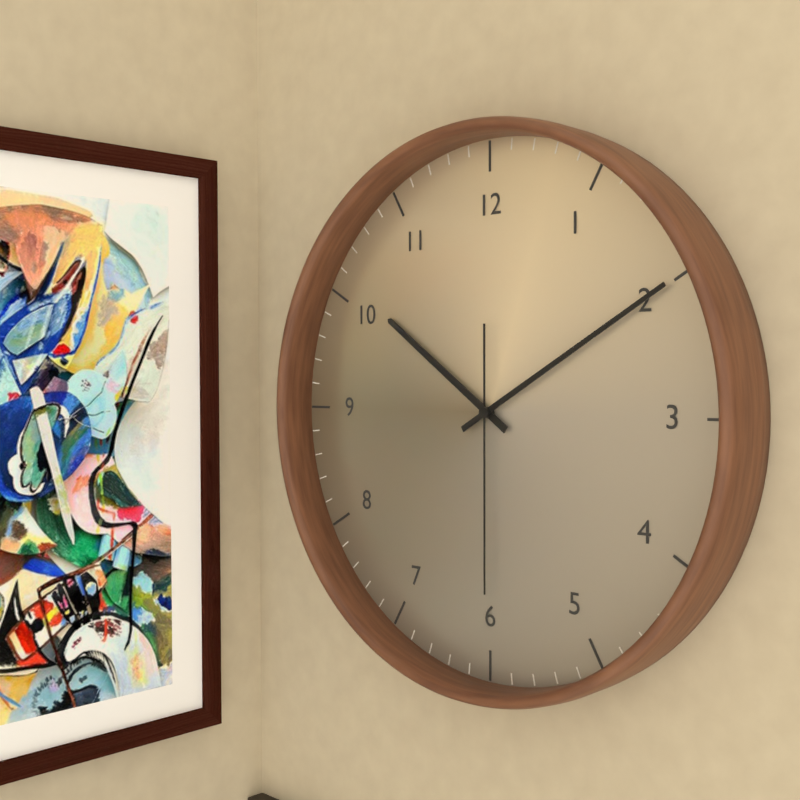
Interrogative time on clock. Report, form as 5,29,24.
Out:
10,10,30
